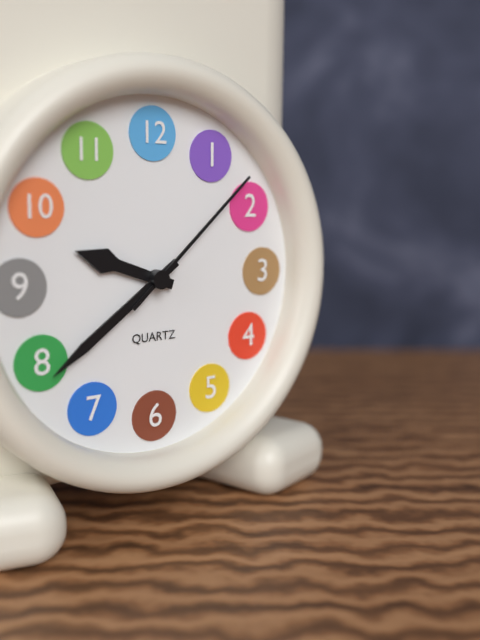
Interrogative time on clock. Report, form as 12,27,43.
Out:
9,39,08
